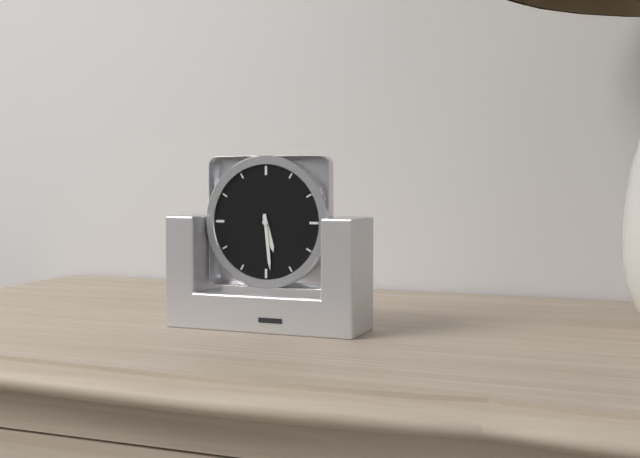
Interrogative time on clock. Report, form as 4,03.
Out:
5,29
